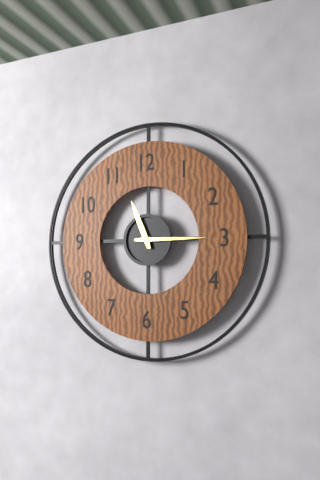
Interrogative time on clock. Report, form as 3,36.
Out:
11,15
